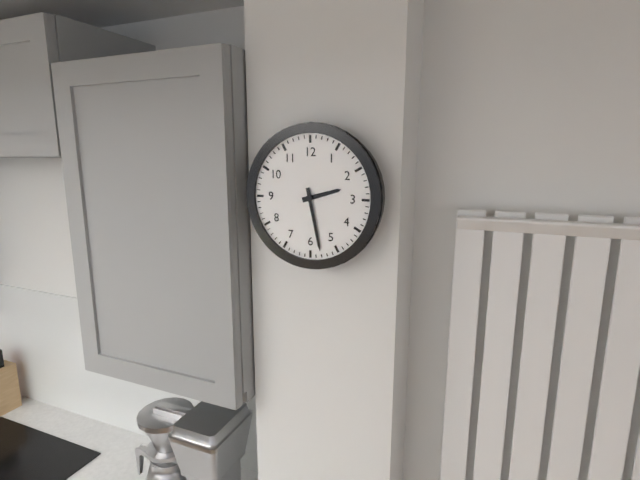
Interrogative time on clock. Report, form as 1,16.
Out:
2,28
